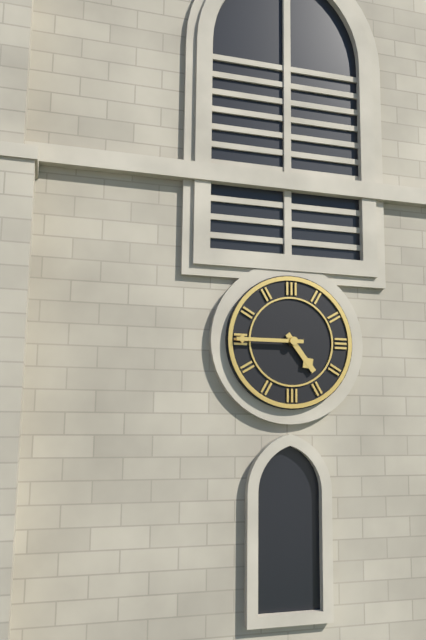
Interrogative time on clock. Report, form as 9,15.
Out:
4,45
